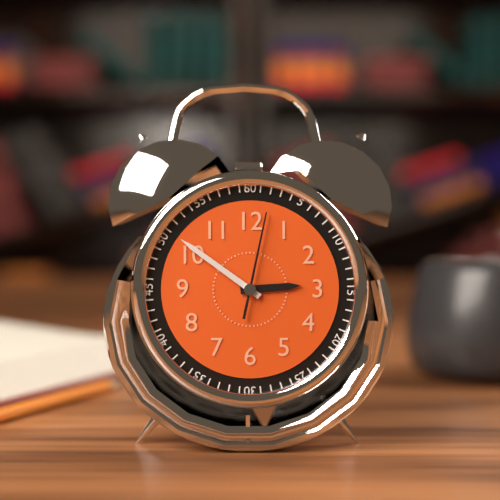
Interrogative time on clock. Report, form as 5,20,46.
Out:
2,51,02
